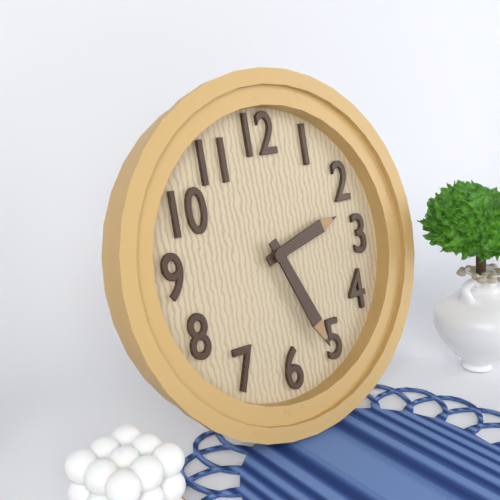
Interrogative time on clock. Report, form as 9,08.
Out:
2,26
